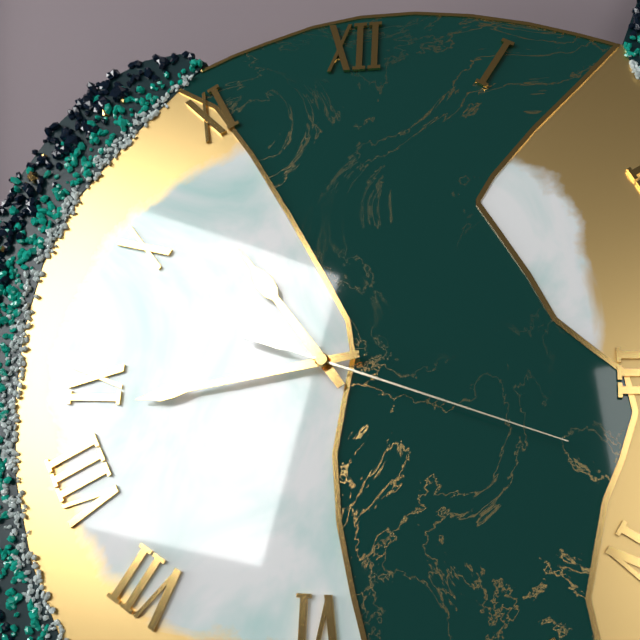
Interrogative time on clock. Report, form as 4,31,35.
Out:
10,43,18
